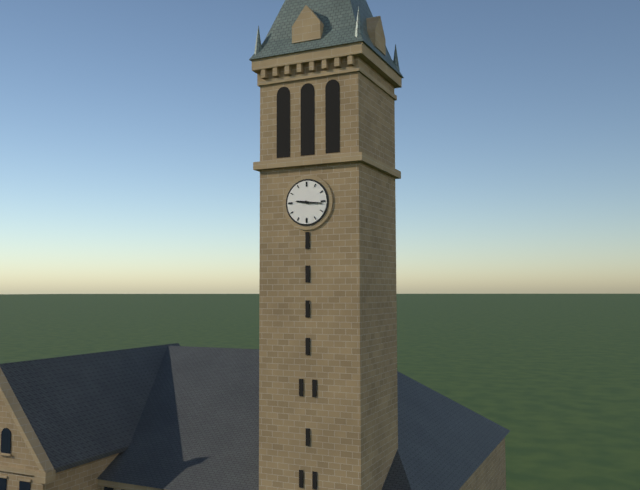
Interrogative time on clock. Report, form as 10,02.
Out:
9,16
